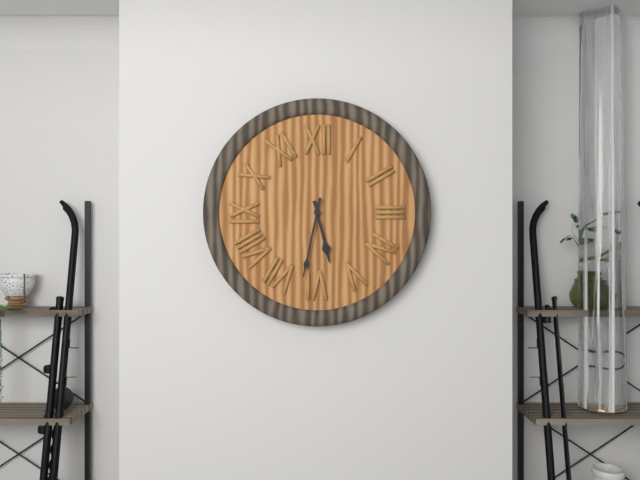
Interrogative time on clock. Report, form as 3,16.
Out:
5,32
